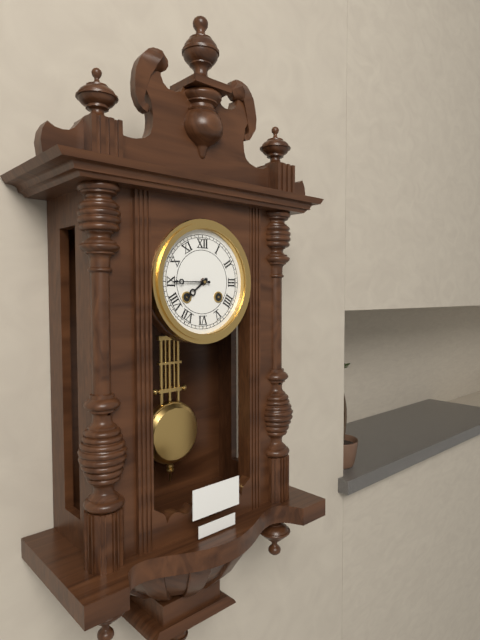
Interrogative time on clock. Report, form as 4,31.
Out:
7,45
